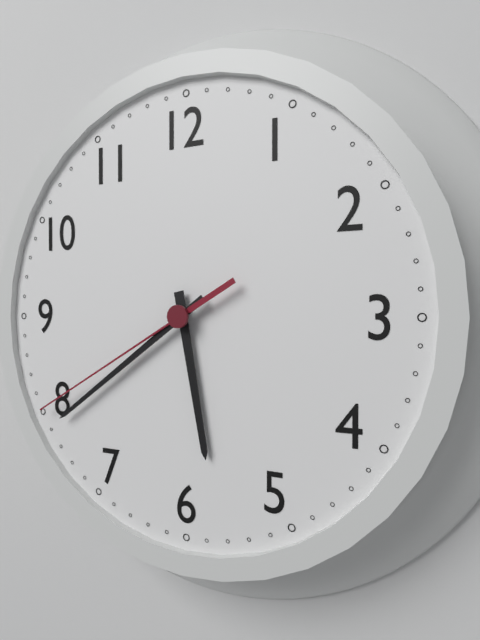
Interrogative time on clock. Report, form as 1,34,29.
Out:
5,39,40
